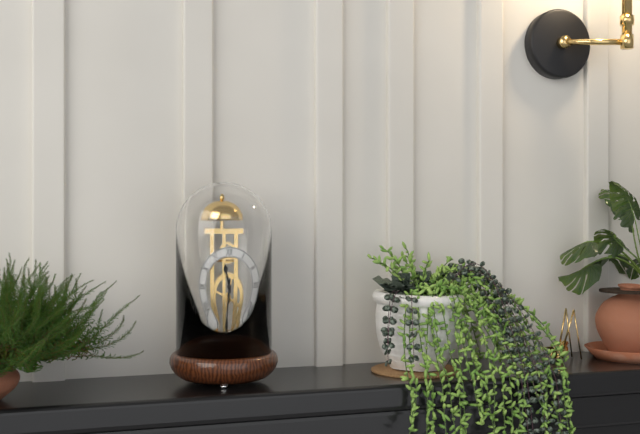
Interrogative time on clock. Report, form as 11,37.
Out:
11,31
